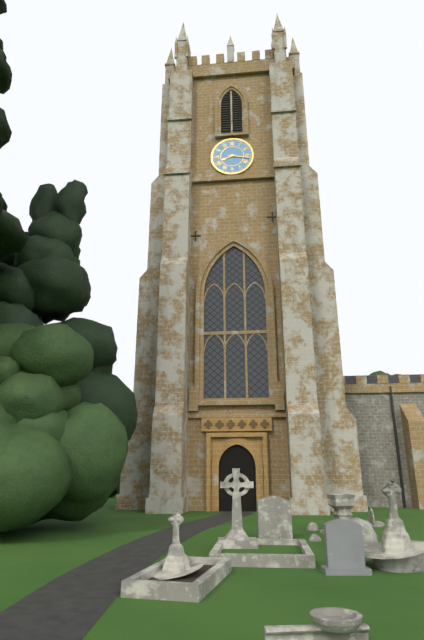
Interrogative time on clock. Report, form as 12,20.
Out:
8,17
